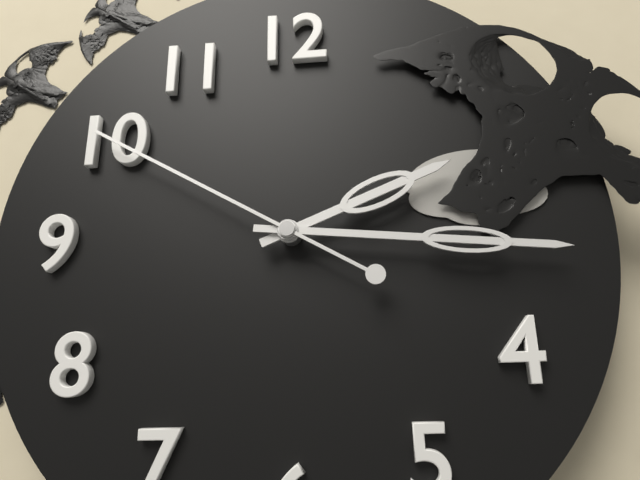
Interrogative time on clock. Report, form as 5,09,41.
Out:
2,16,50
